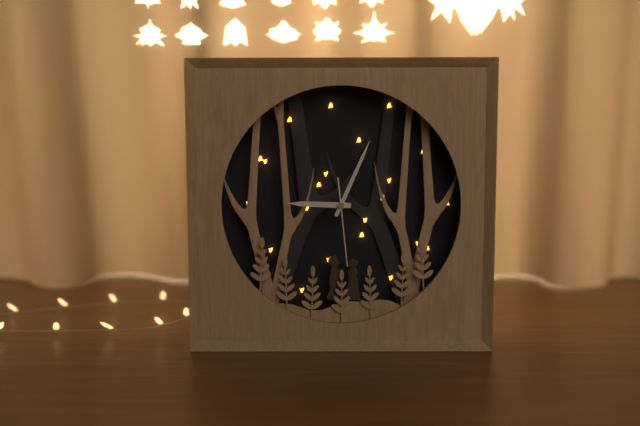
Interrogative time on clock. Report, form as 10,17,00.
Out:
9,04,29
